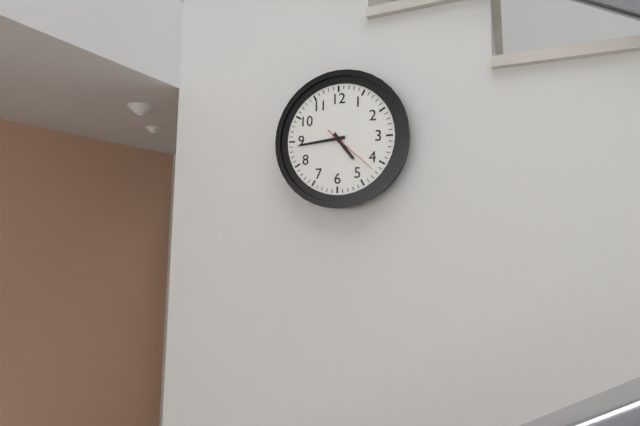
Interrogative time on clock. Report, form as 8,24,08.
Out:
4,44,22
